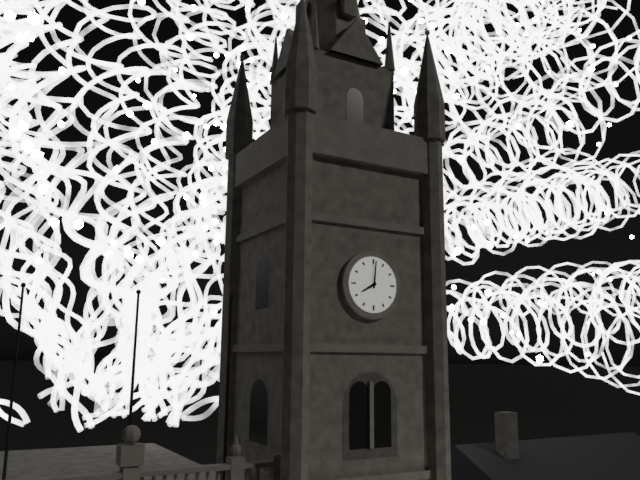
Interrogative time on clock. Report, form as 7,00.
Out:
8,01
